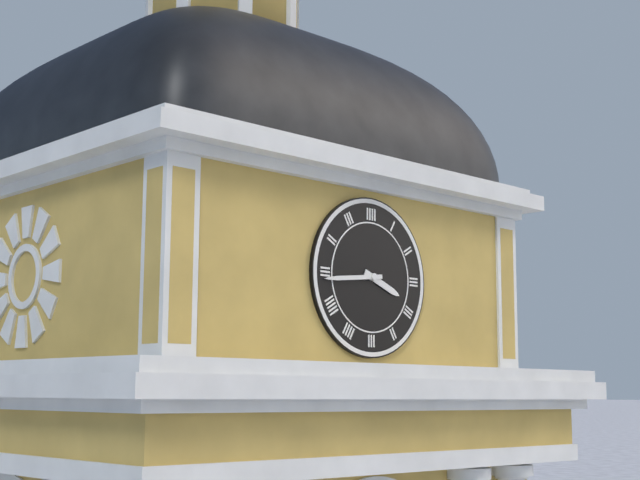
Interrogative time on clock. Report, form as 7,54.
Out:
3,44
